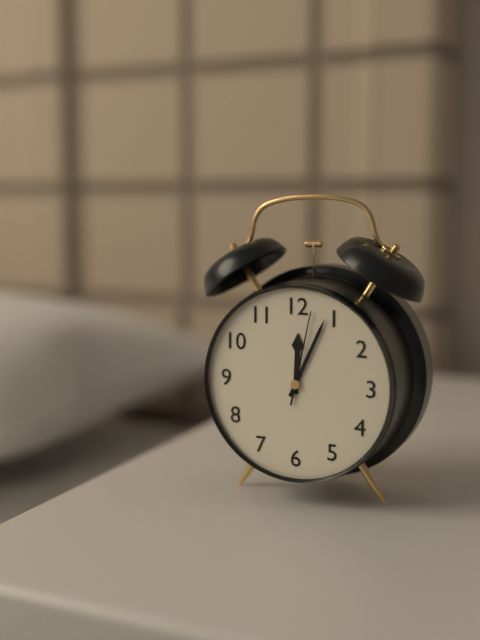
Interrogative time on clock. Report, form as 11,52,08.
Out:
12,04,02
